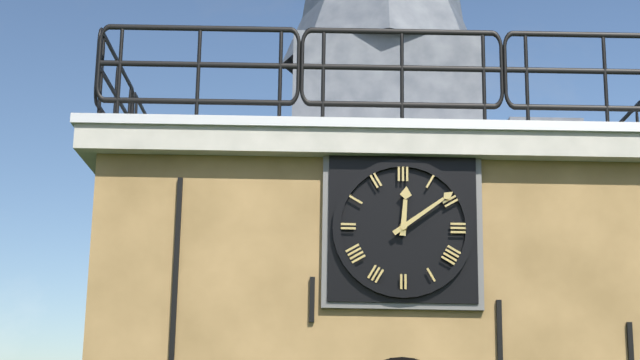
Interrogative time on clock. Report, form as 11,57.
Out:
12,09
